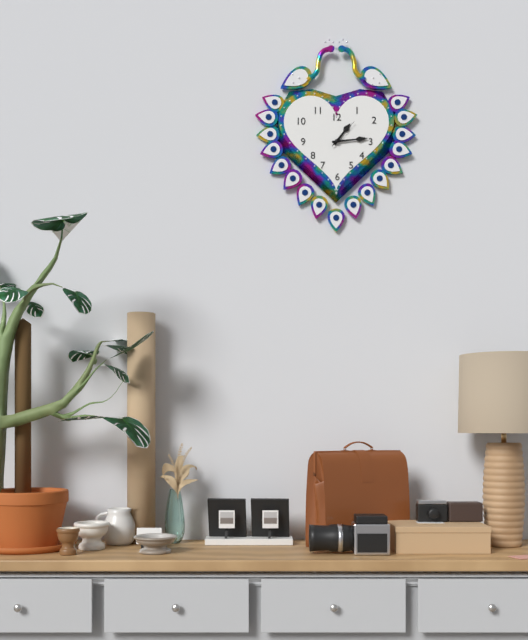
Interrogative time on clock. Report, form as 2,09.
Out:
1,14
